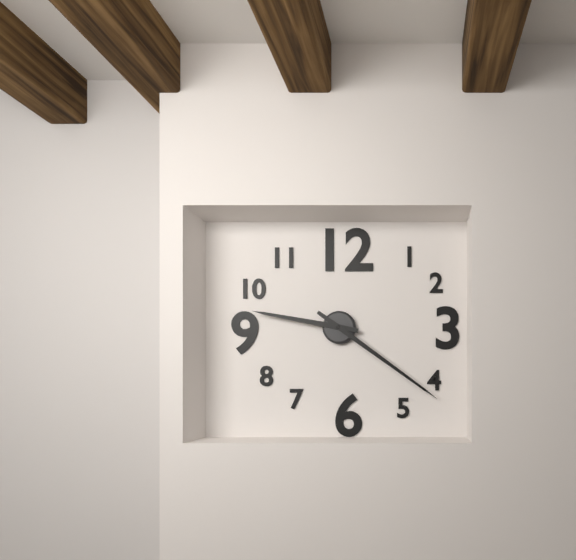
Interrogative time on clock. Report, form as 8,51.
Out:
9,21
